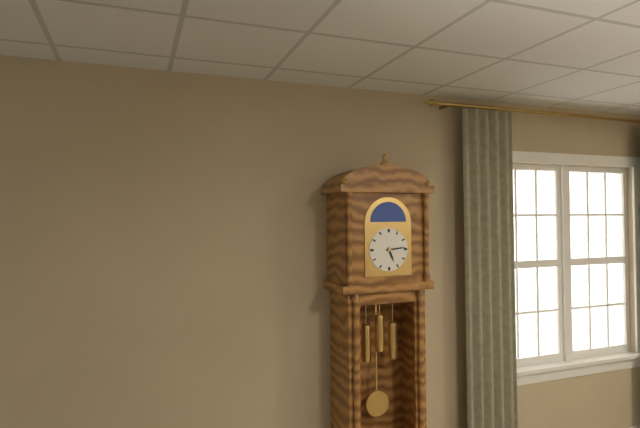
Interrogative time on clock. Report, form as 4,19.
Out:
5,14
